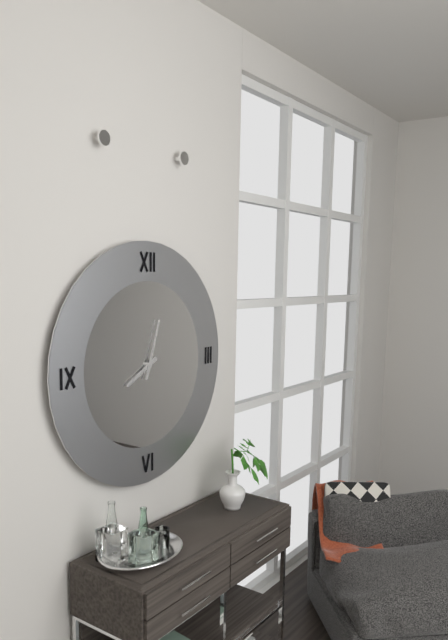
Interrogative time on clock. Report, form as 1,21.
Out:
8,03
